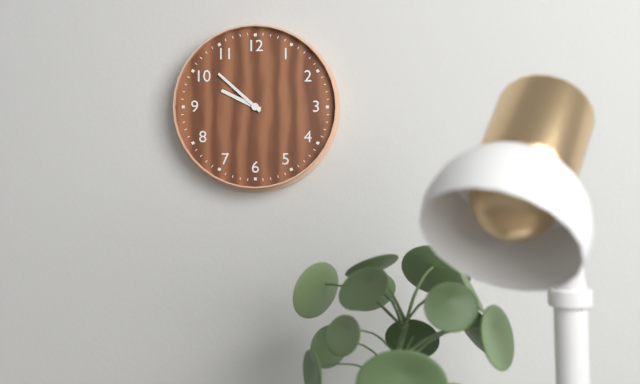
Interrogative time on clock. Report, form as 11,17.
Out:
9,52
